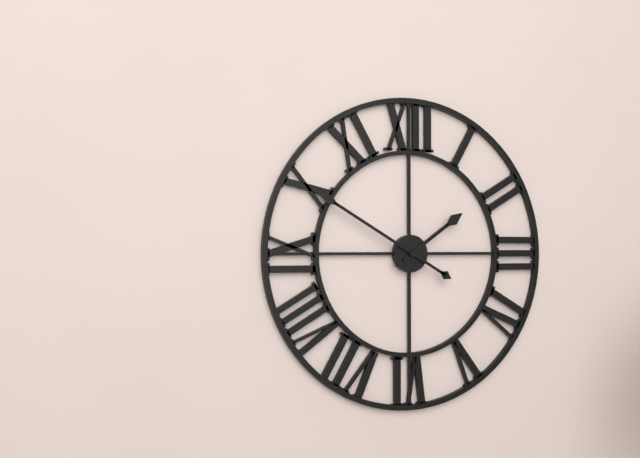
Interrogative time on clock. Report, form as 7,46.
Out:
1,50
